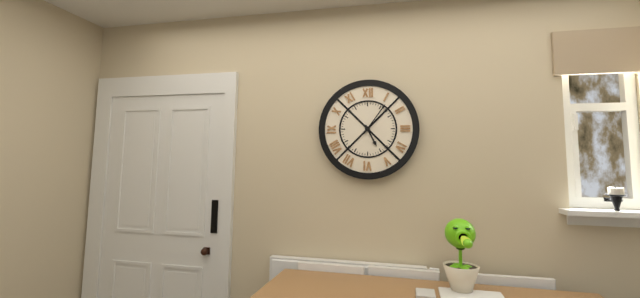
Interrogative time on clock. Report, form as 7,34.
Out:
5,06
